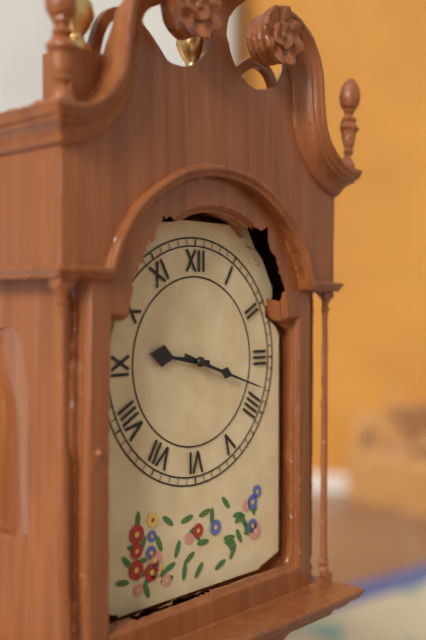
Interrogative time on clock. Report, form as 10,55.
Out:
9,18
